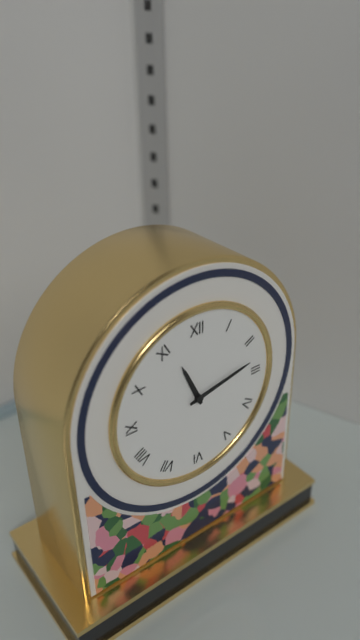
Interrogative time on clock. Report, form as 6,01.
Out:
11,13
